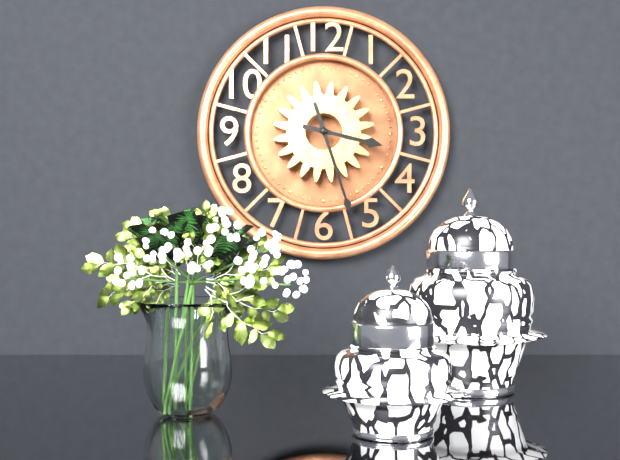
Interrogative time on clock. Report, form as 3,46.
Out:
3,27
